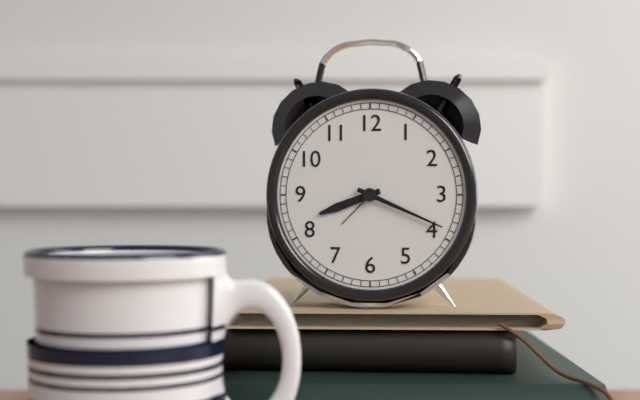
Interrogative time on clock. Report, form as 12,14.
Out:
8,19
